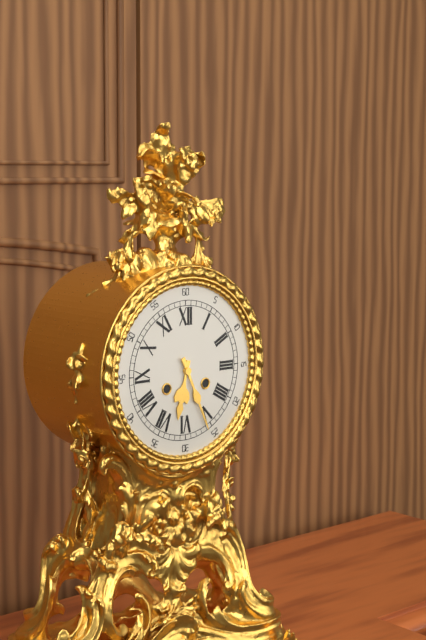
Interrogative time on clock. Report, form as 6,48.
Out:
6,26
